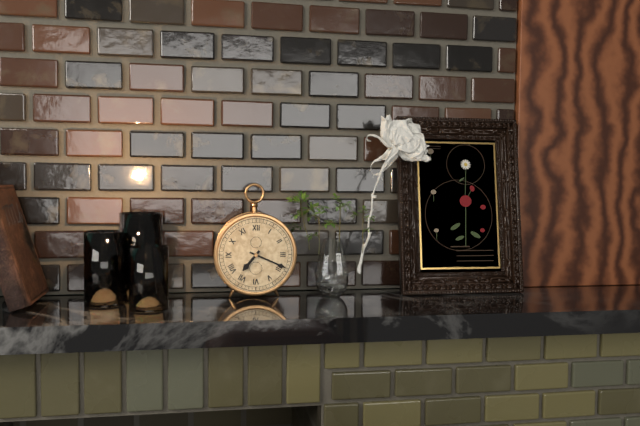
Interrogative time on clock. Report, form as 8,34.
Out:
7,19
